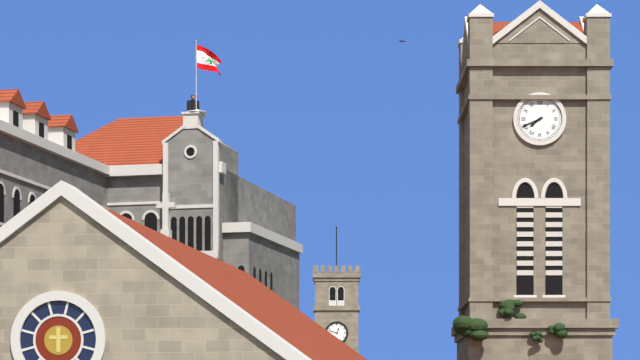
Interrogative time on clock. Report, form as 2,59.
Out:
7,41
